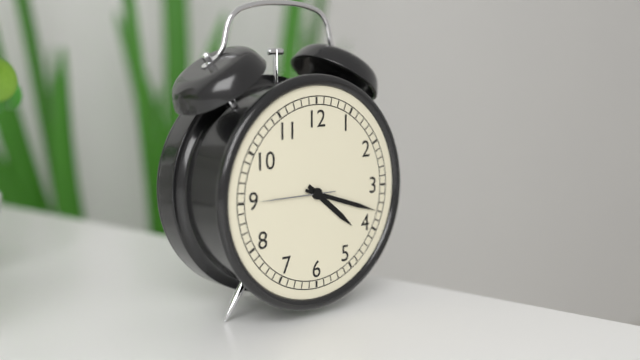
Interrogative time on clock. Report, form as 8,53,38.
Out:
4,18,45
